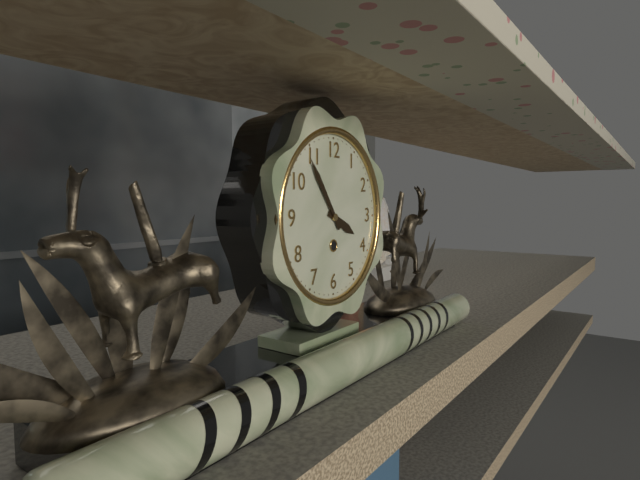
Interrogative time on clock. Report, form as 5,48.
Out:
3,54
